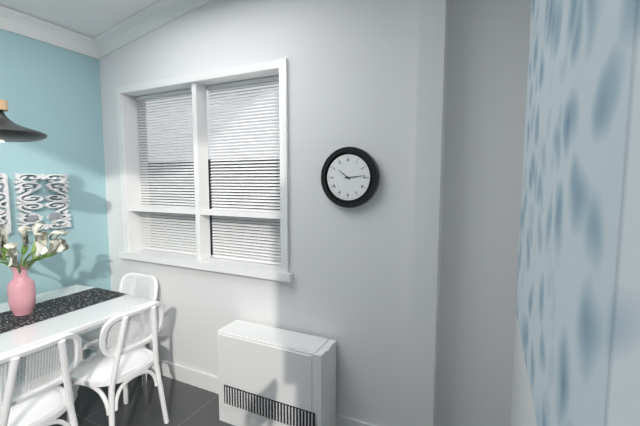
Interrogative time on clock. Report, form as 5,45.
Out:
10,14
